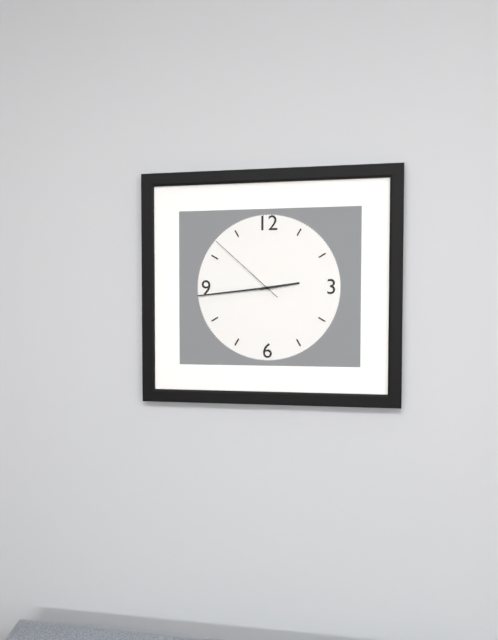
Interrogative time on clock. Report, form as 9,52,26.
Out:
2,44,52
